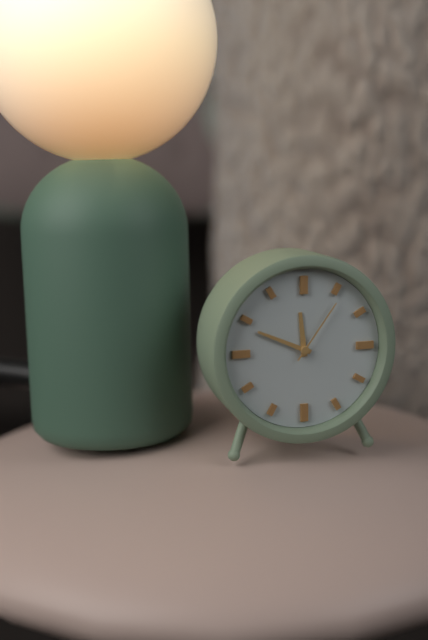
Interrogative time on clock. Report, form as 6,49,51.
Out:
11,49,06
